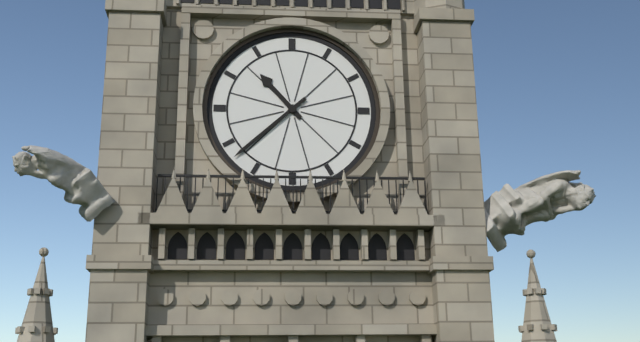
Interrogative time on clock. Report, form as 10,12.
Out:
10,38
